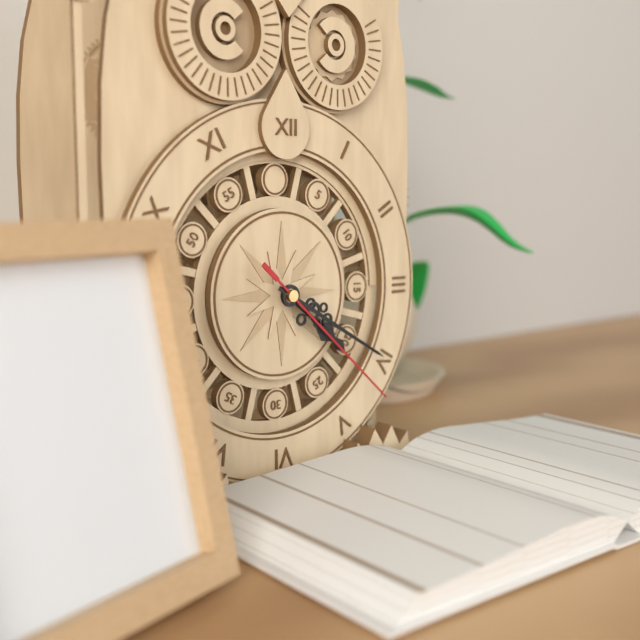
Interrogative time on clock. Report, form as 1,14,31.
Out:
4,20,22
